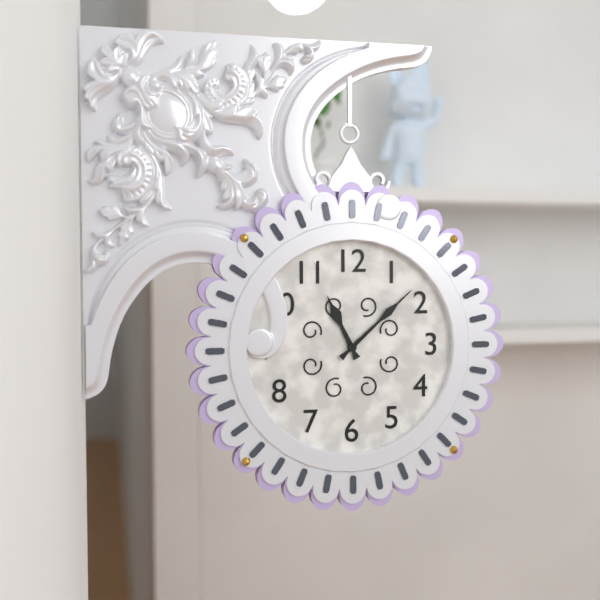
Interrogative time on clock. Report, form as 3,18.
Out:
11,08
